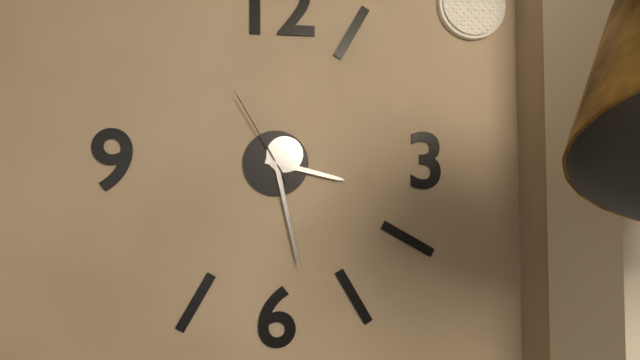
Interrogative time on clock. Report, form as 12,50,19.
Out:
3,28,55
